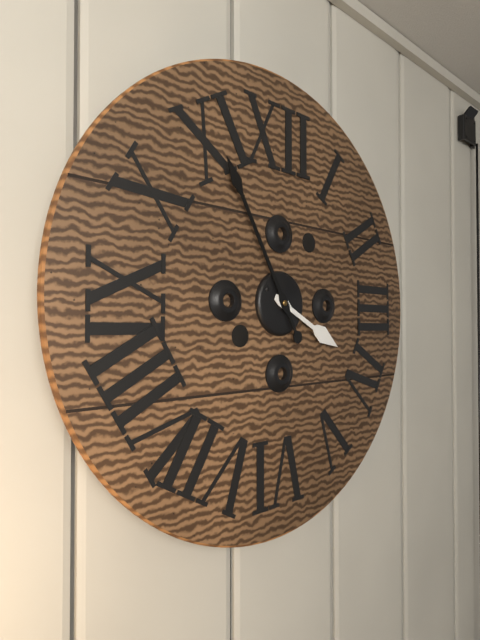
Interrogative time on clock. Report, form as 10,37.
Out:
3,55
